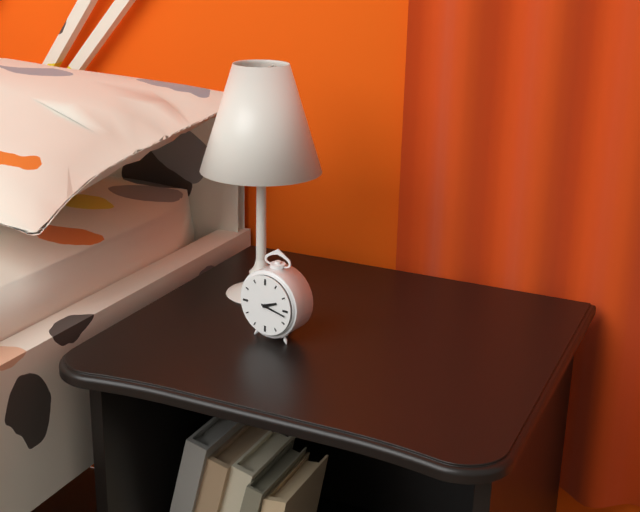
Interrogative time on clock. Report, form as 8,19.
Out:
2,17
